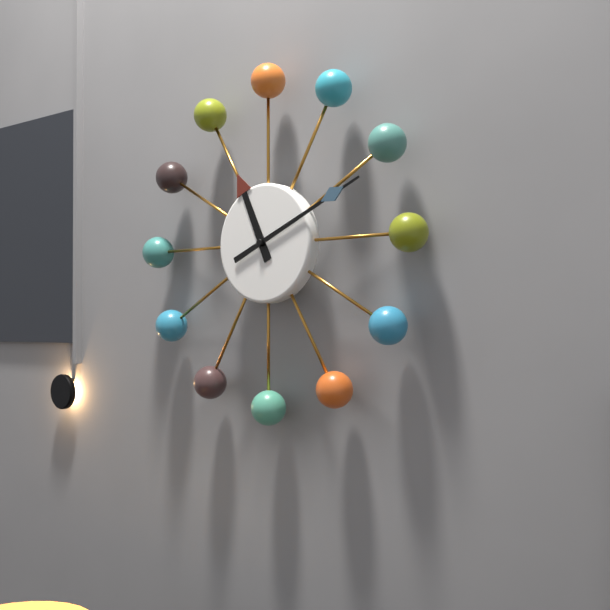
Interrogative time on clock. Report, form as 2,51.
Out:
11,11
